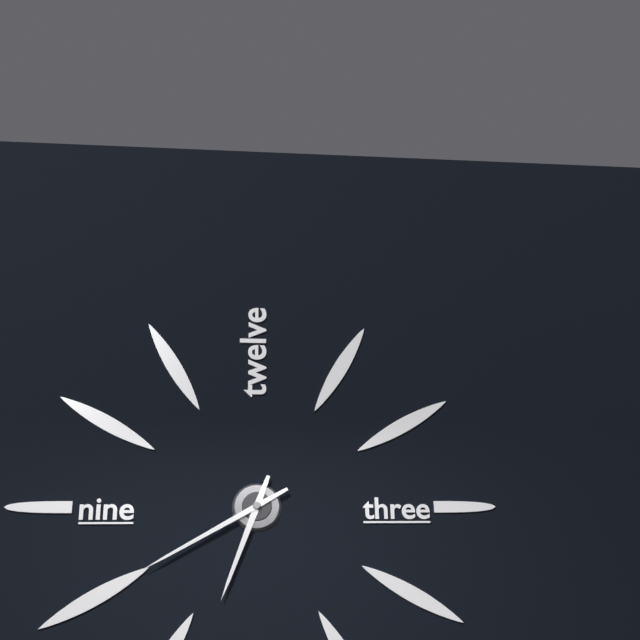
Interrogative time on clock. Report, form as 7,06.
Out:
6,40
